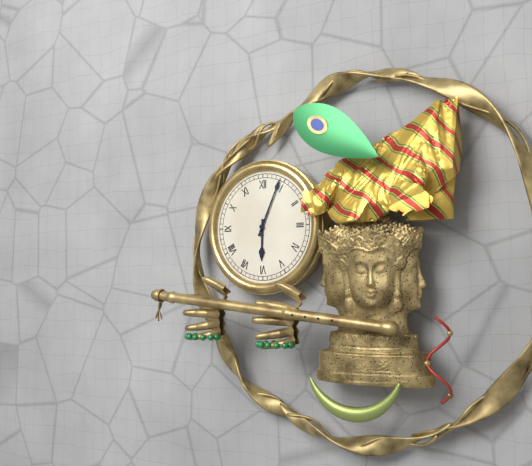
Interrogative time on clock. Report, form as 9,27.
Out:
6,04
